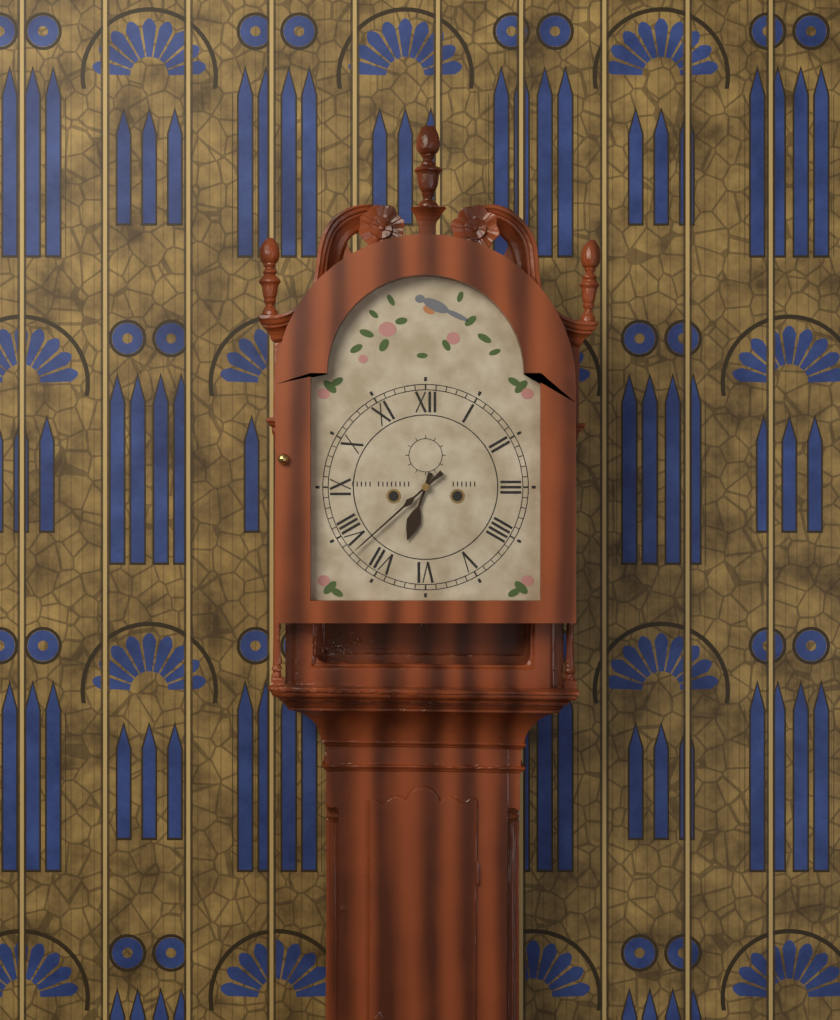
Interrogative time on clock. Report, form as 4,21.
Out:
6,38
